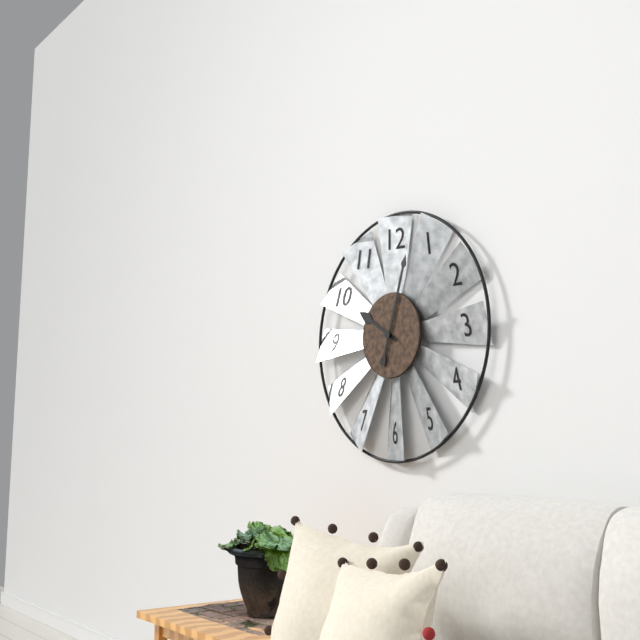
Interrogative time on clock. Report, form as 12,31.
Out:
10,03
